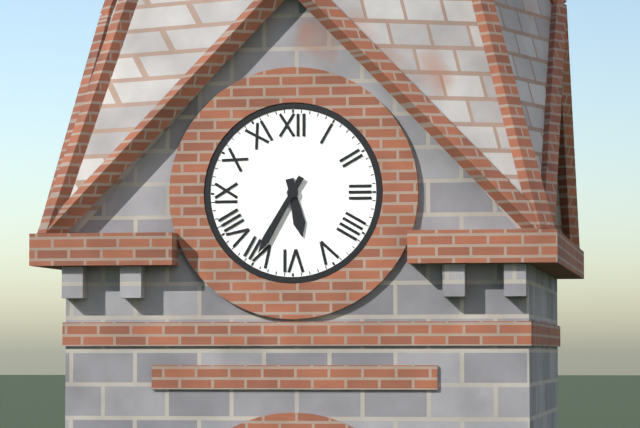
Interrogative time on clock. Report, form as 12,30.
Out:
5,35
